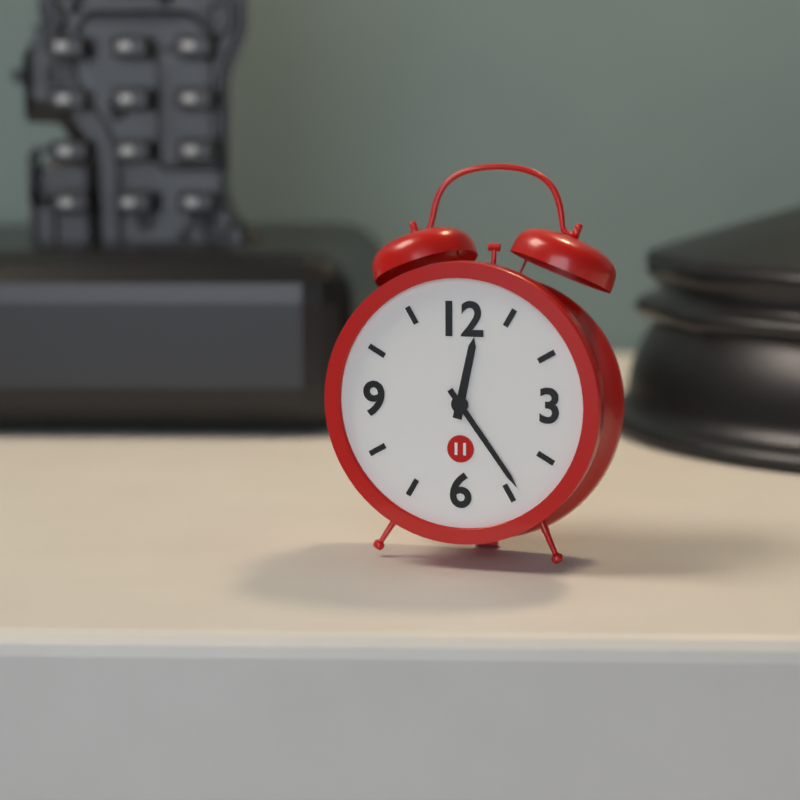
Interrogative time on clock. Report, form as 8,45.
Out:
12,24
